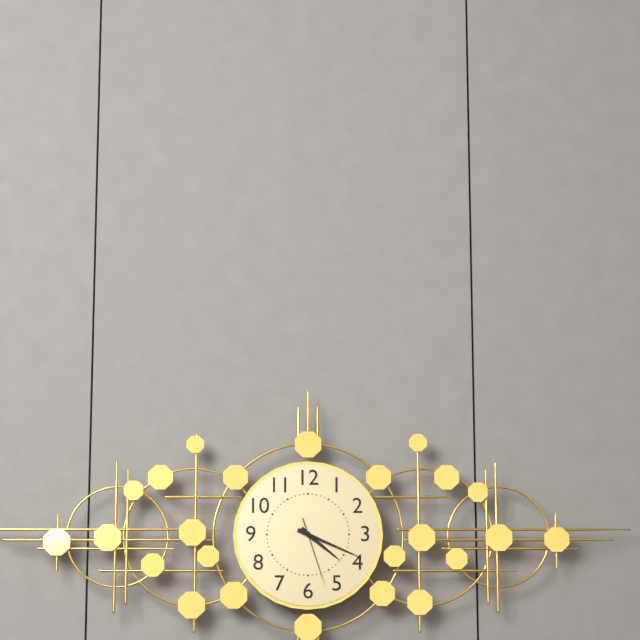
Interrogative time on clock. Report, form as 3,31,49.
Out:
4,19,27
